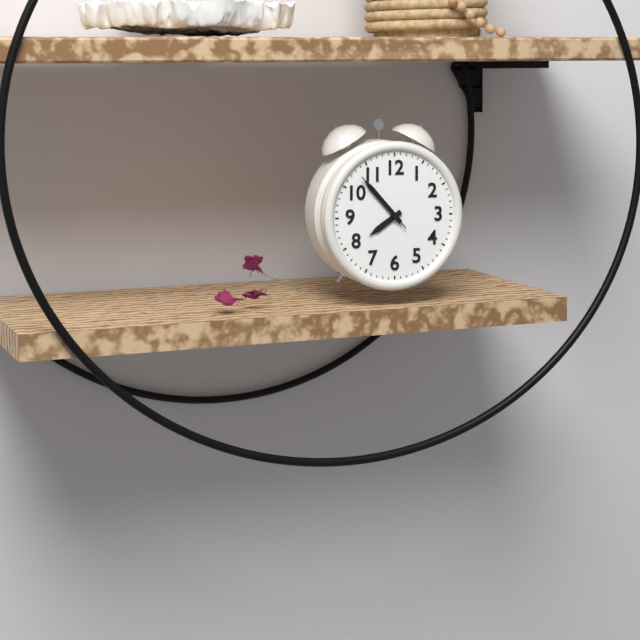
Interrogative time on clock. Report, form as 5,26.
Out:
7,53
